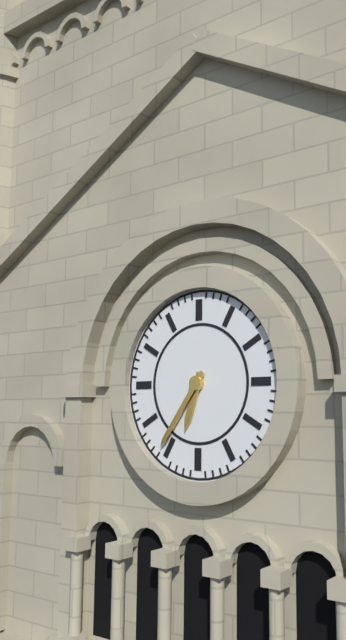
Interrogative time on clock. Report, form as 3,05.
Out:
6,36
